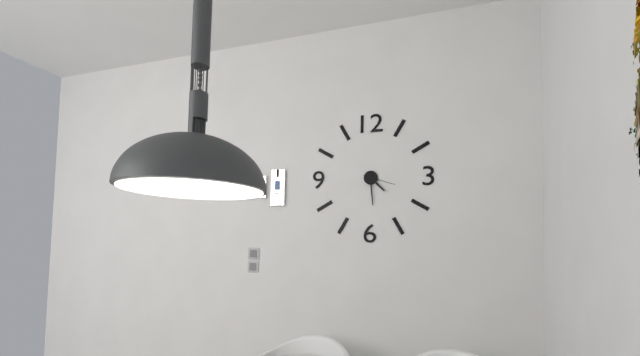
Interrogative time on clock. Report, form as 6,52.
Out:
4,29
